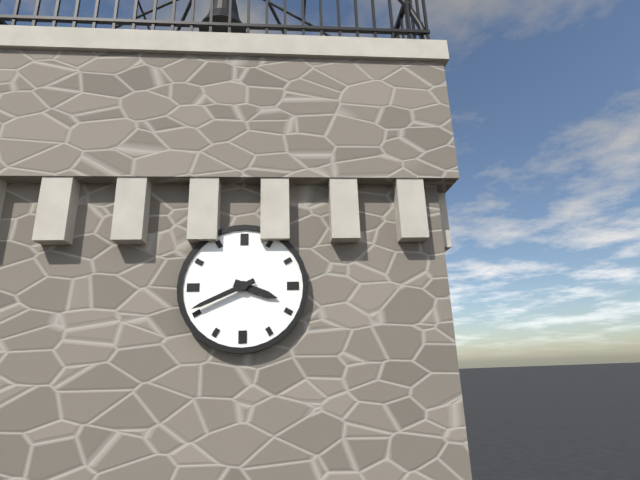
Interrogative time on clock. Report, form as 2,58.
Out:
3,41
